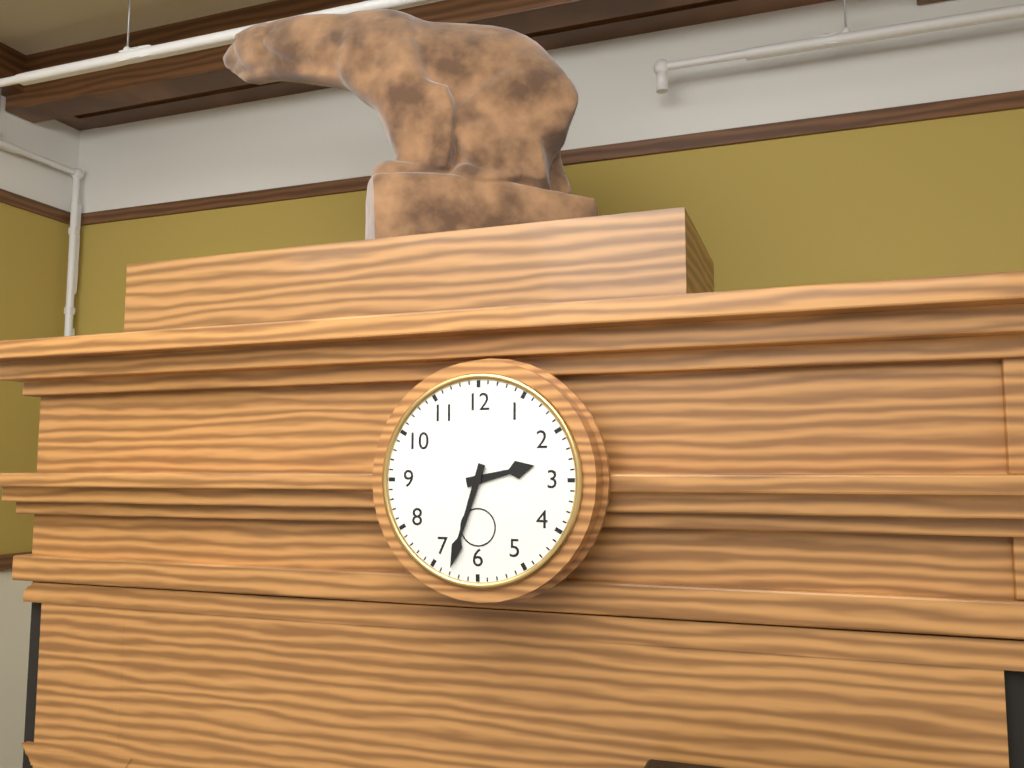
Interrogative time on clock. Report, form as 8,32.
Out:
2,33
